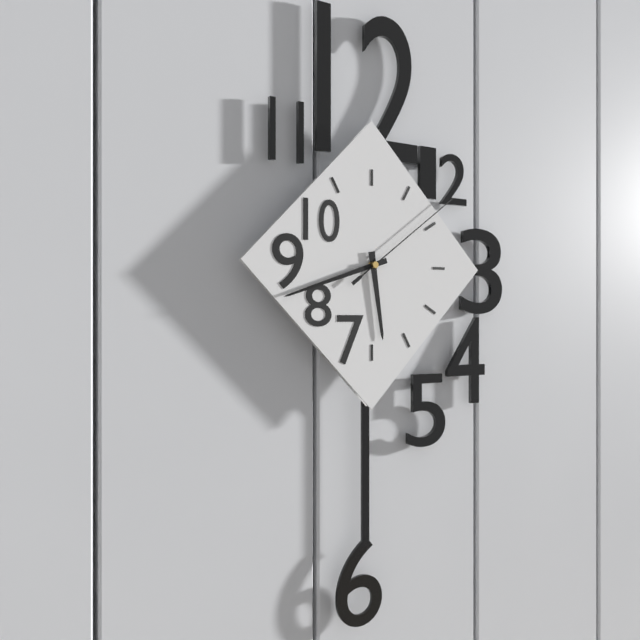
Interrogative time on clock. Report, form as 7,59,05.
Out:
5,42,09
